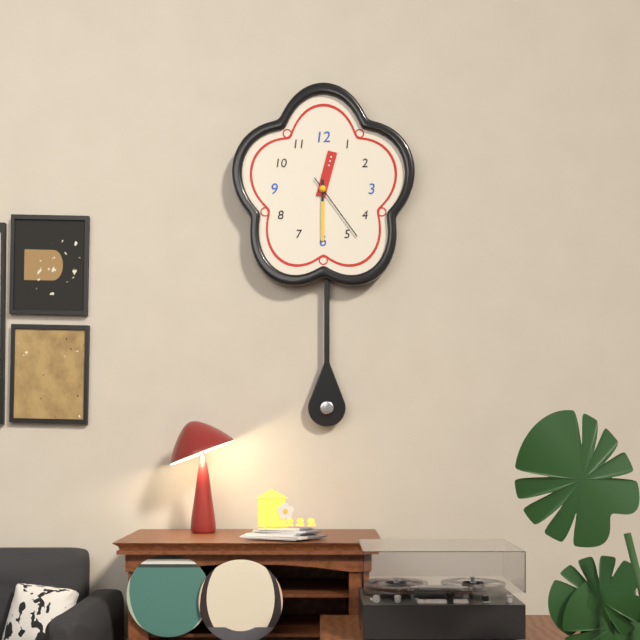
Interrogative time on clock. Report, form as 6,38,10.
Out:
12,30,24
